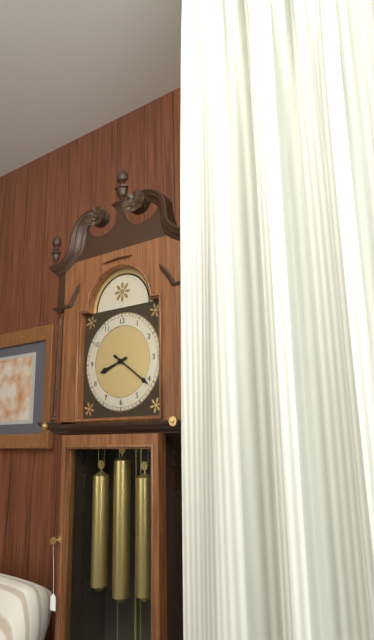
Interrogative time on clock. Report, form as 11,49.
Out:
8,21
